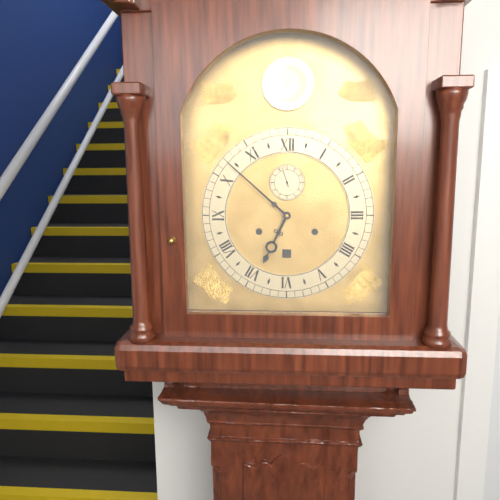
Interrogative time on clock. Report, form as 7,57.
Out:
6,52
